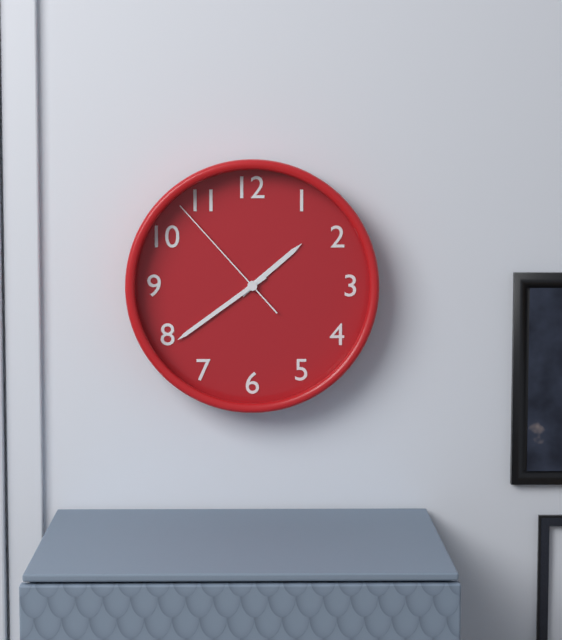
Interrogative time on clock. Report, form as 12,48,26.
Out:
1,39,53
